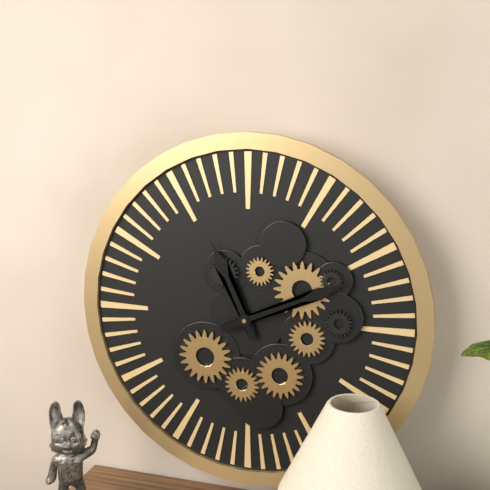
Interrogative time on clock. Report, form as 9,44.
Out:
11,11
